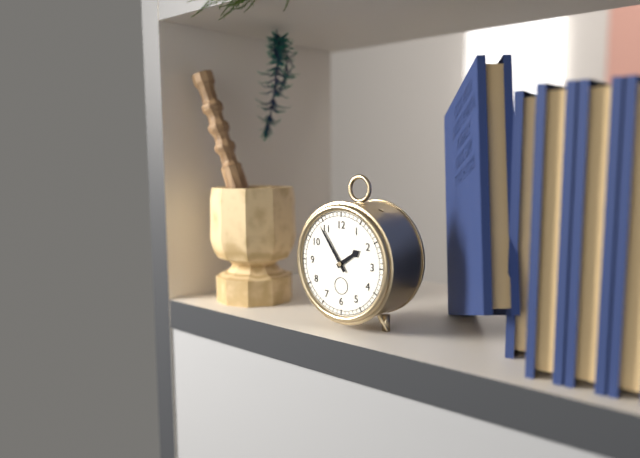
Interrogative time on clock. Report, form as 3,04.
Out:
1,54
